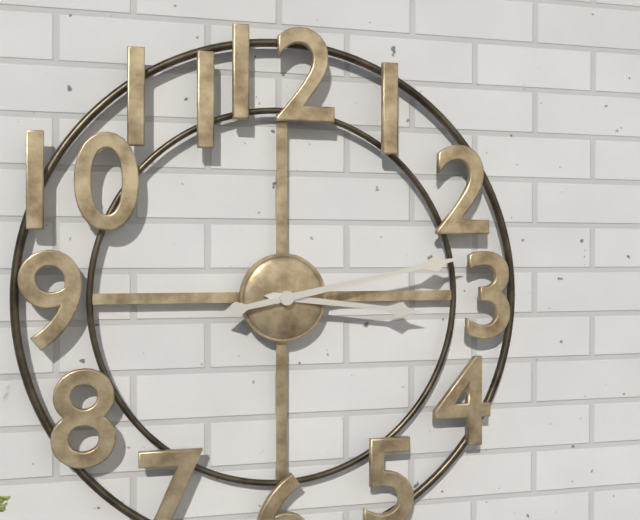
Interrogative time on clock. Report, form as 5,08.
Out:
3,13
